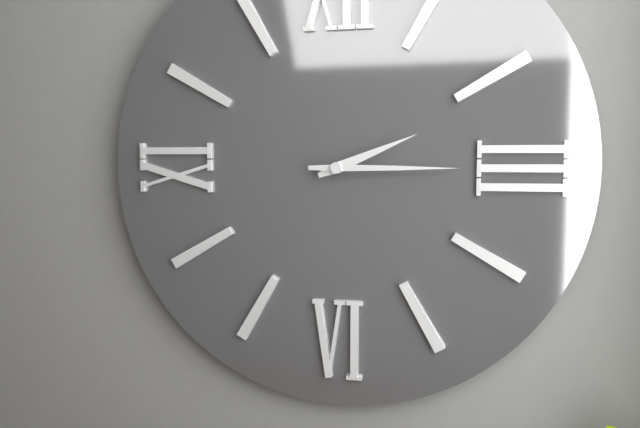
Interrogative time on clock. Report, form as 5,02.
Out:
2,15
